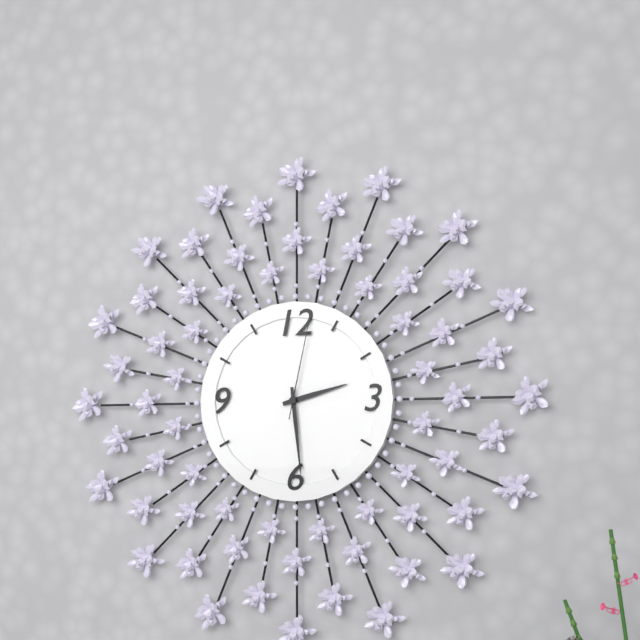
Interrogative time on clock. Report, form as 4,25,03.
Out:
2,29,02
